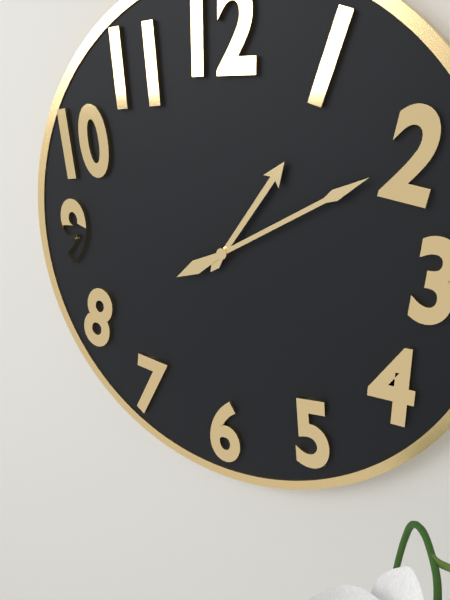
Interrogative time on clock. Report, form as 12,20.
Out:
1,10
